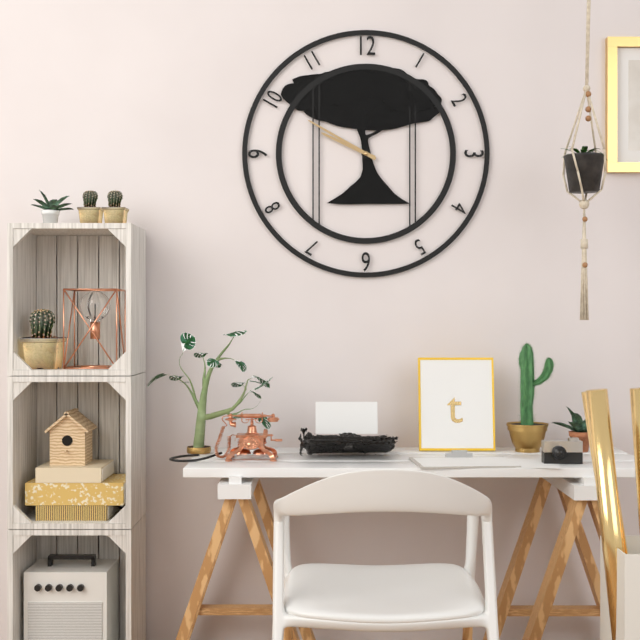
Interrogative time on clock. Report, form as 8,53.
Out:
9,50
